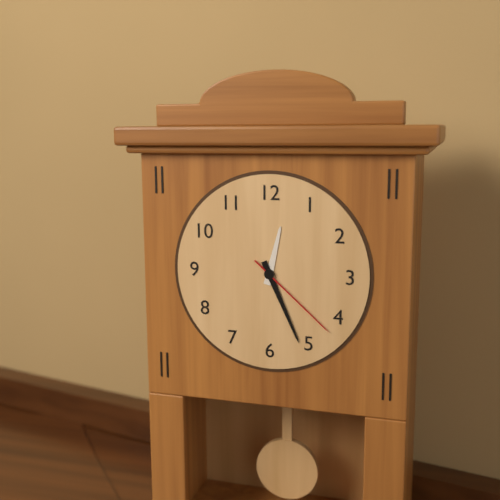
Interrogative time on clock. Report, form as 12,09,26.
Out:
12,26,22
